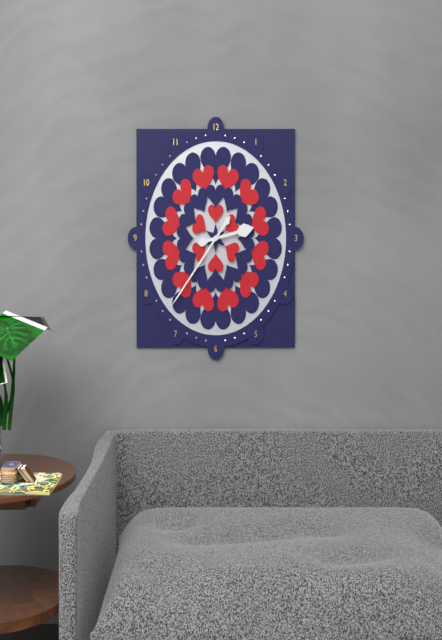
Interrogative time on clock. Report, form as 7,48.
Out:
2,37
